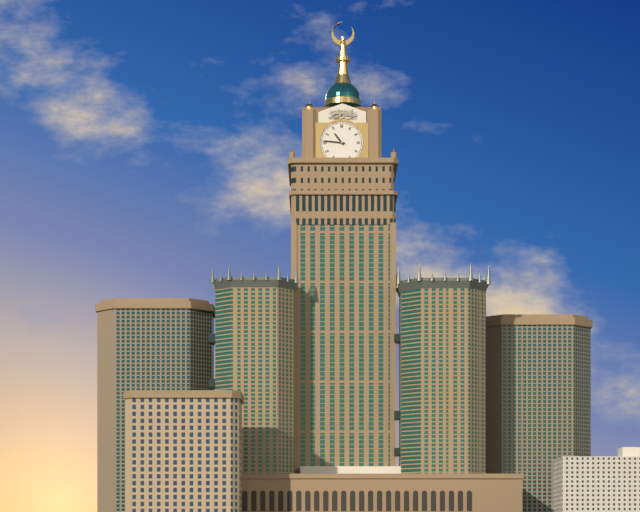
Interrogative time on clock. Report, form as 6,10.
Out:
10,46
